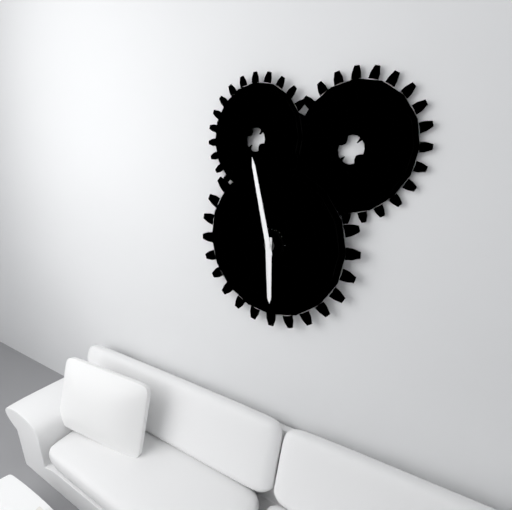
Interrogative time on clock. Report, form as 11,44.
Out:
5,58
